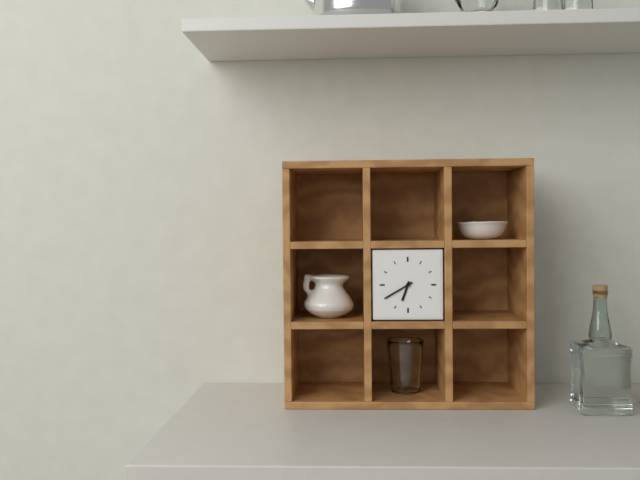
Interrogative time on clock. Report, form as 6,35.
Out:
6,40
